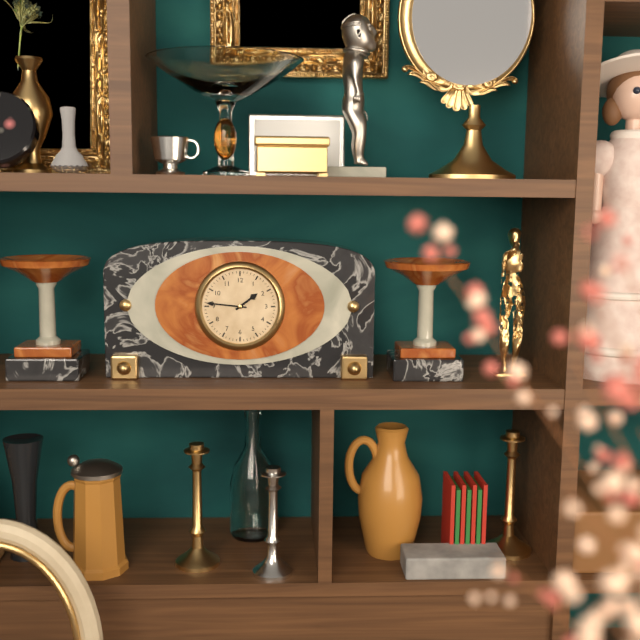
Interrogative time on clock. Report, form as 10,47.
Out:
1,46
